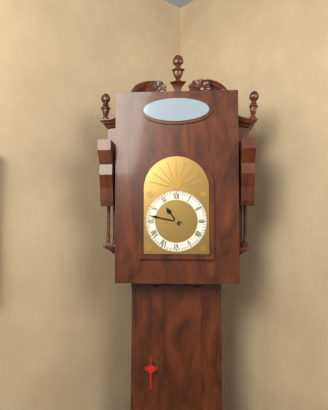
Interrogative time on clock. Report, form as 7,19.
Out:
10,47
